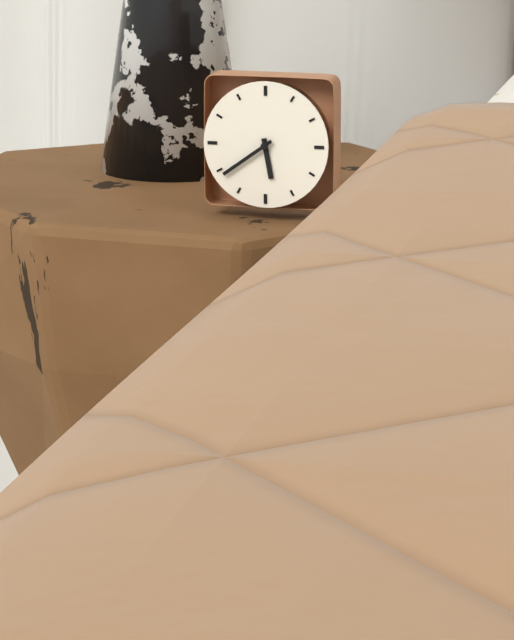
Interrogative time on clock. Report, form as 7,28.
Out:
5,39
